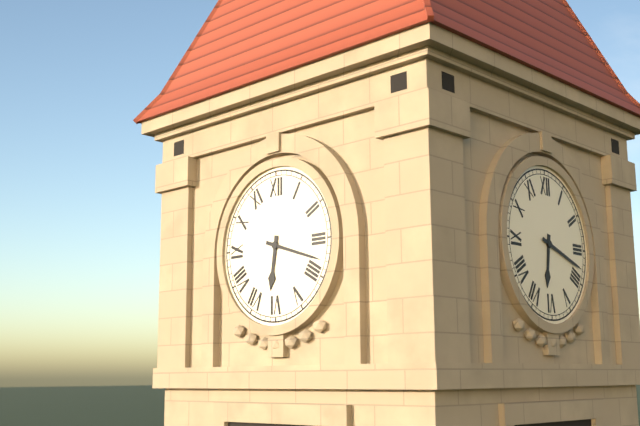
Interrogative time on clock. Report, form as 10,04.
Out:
6,18
